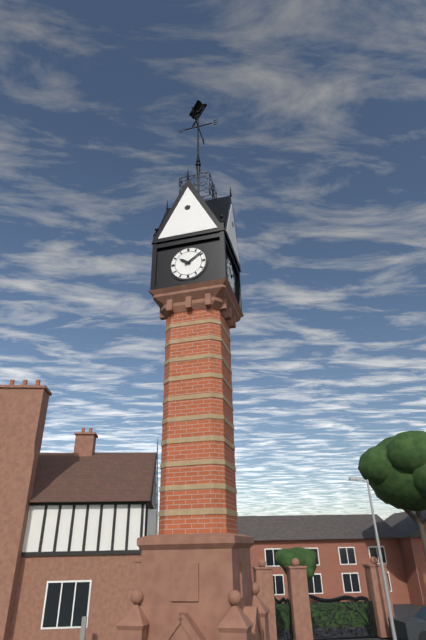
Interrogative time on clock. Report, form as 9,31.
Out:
10,09
